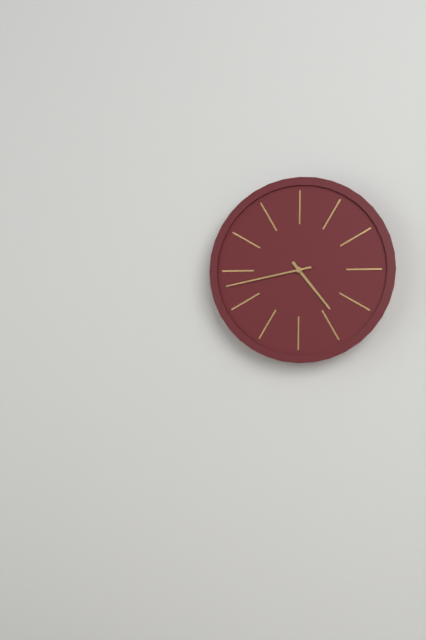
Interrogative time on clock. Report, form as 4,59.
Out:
4,43
